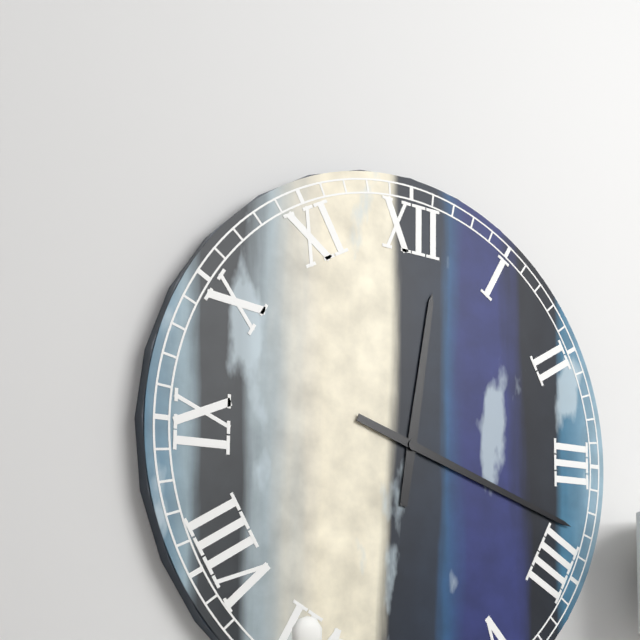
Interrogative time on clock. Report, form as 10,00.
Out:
12,18
